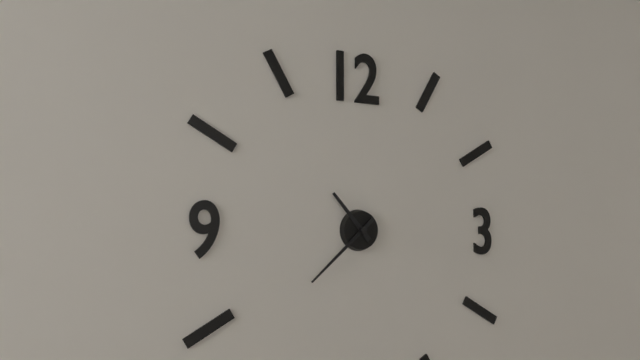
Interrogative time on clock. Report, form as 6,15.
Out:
10,38
